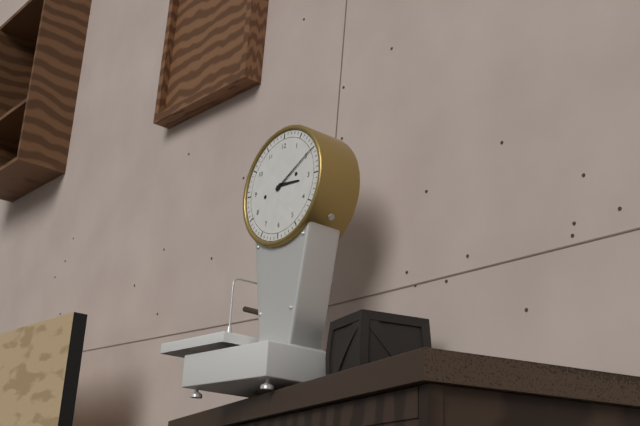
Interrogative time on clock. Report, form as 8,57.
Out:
3,10
